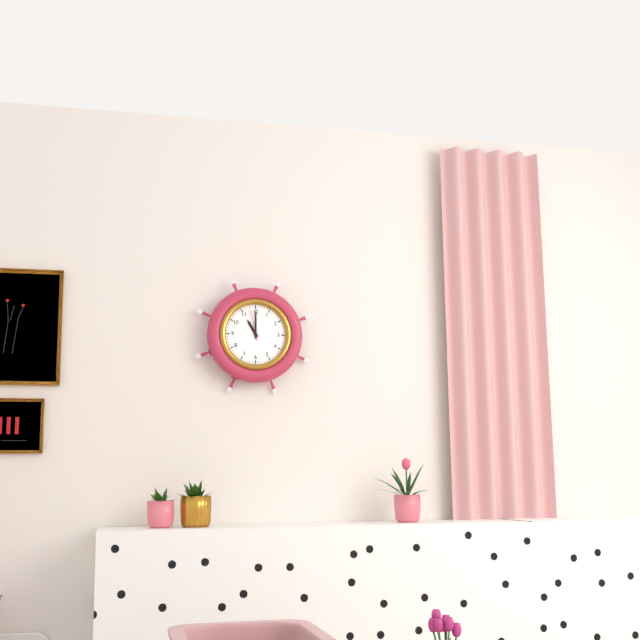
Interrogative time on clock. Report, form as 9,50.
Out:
11,00
